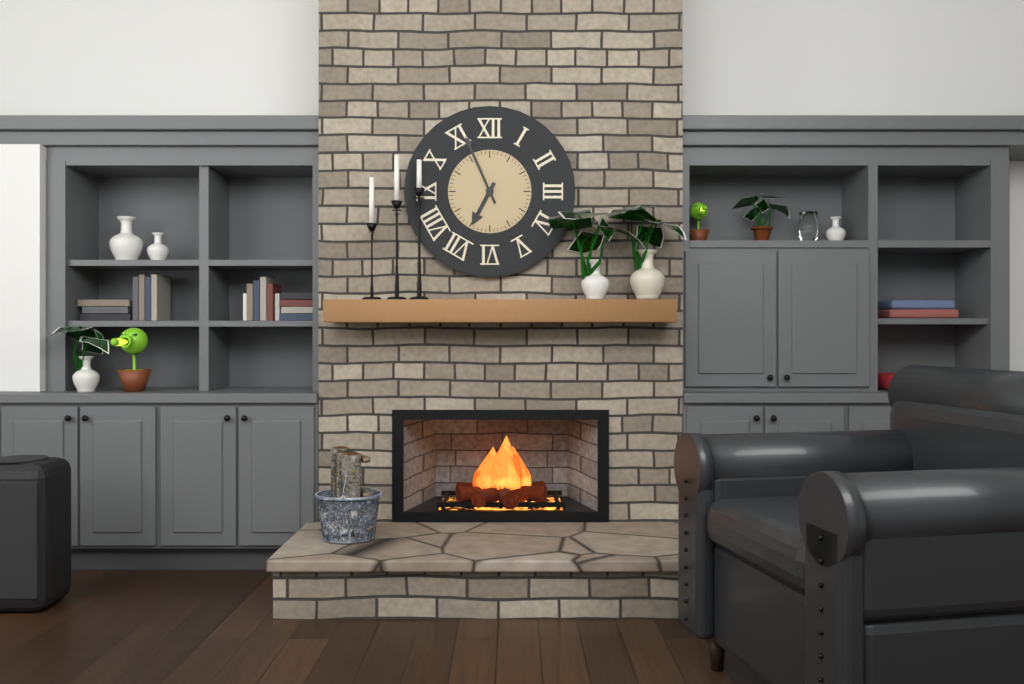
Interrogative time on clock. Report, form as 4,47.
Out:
6,56
